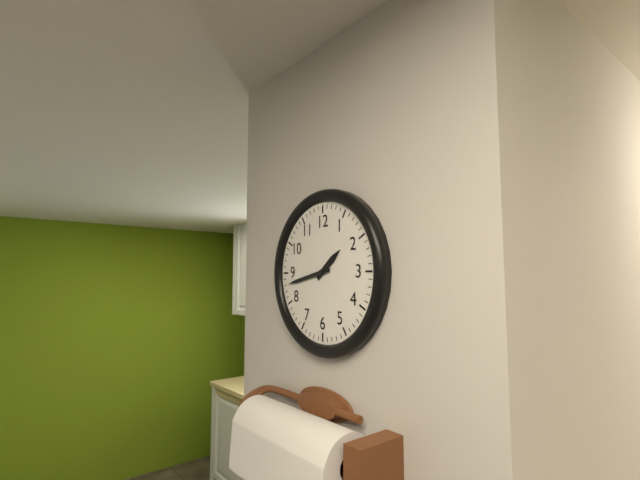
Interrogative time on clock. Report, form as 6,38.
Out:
1,43
